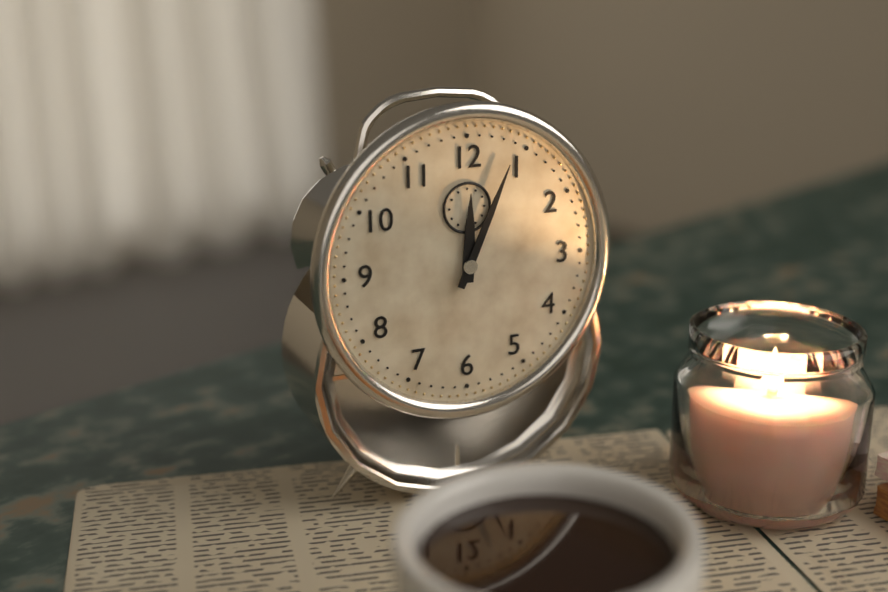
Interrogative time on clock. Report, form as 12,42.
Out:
12,04
